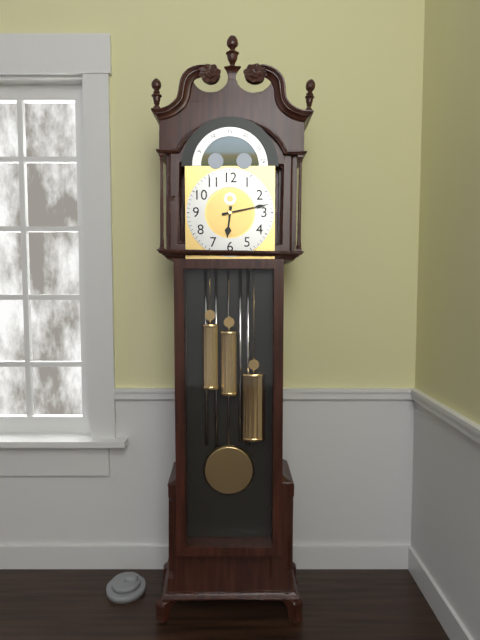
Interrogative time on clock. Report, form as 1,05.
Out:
6,13
